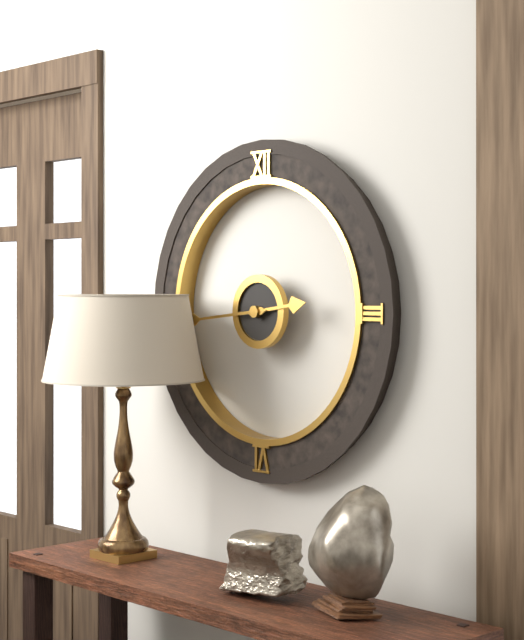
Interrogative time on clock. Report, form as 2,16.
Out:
2,44
